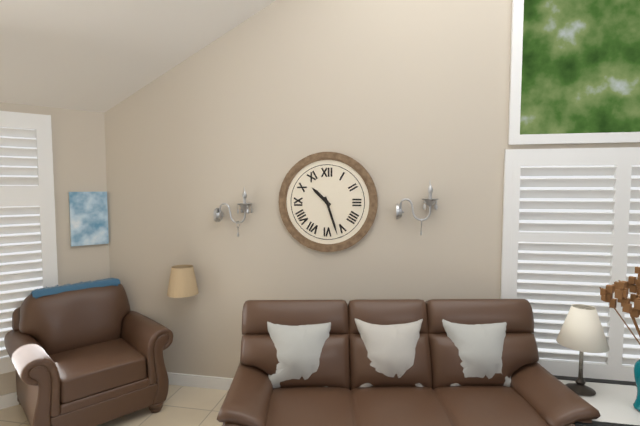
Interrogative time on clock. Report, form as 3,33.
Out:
10,27
